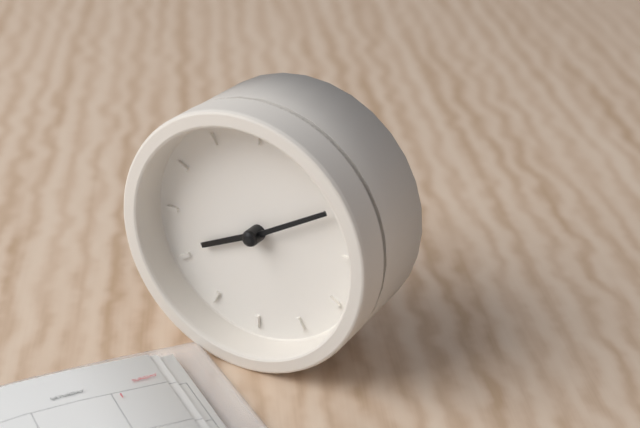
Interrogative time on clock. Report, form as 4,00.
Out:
8,10
